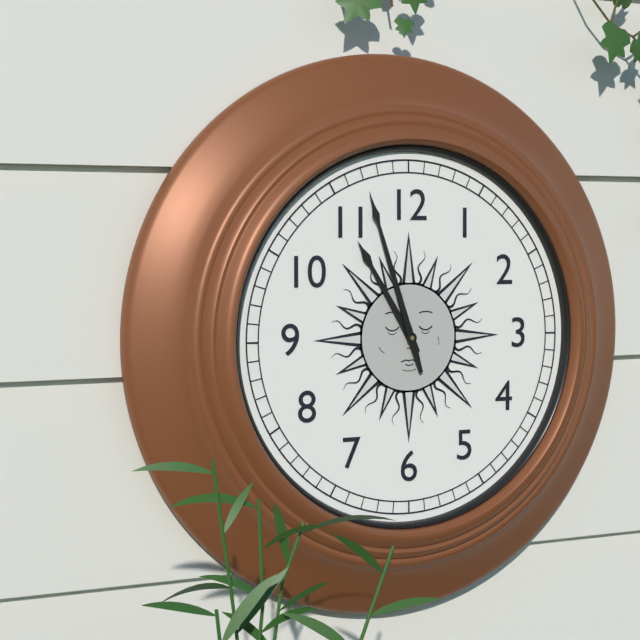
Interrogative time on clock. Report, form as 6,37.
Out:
10,57
